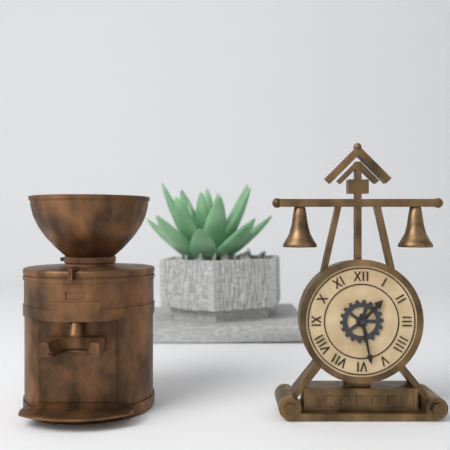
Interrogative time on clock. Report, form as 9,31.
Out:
1,28
